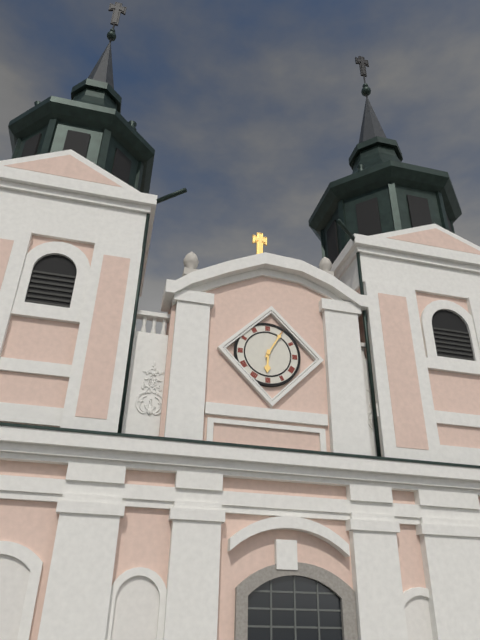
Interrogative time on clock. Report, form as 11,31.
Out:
6,05
